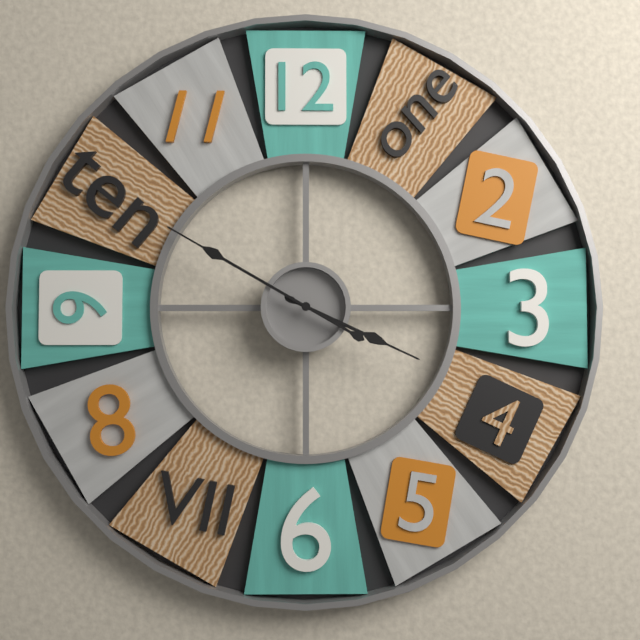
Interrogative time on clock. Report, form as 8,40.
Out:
3,50
